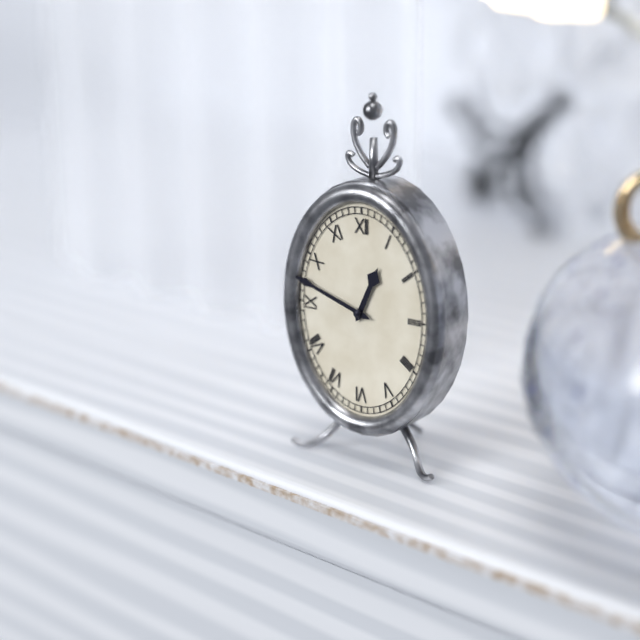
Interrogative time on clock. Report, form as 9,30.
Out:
12,48
